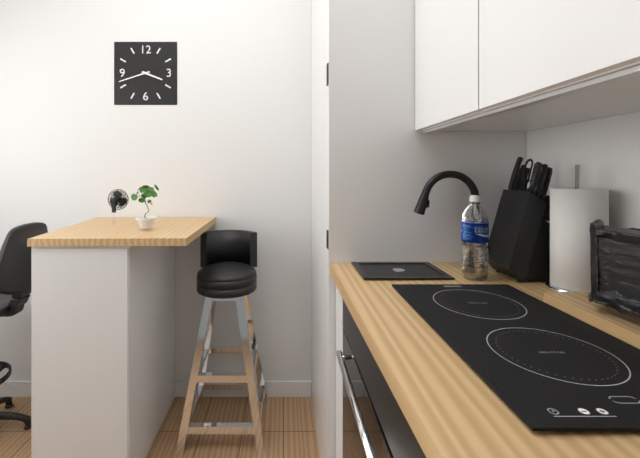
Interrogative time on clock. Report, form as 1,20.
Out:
3,42
